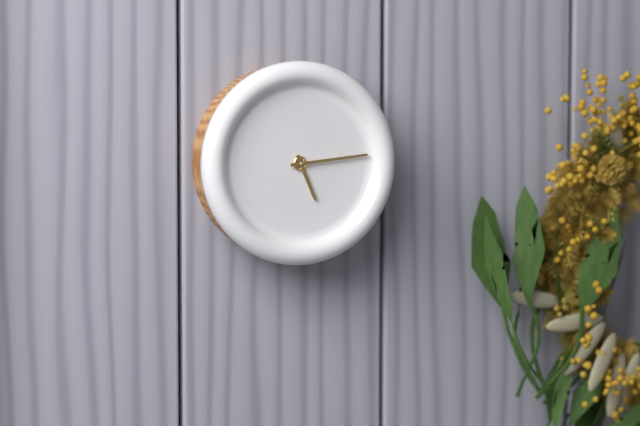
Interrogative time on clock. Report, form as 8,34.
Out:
5,14
